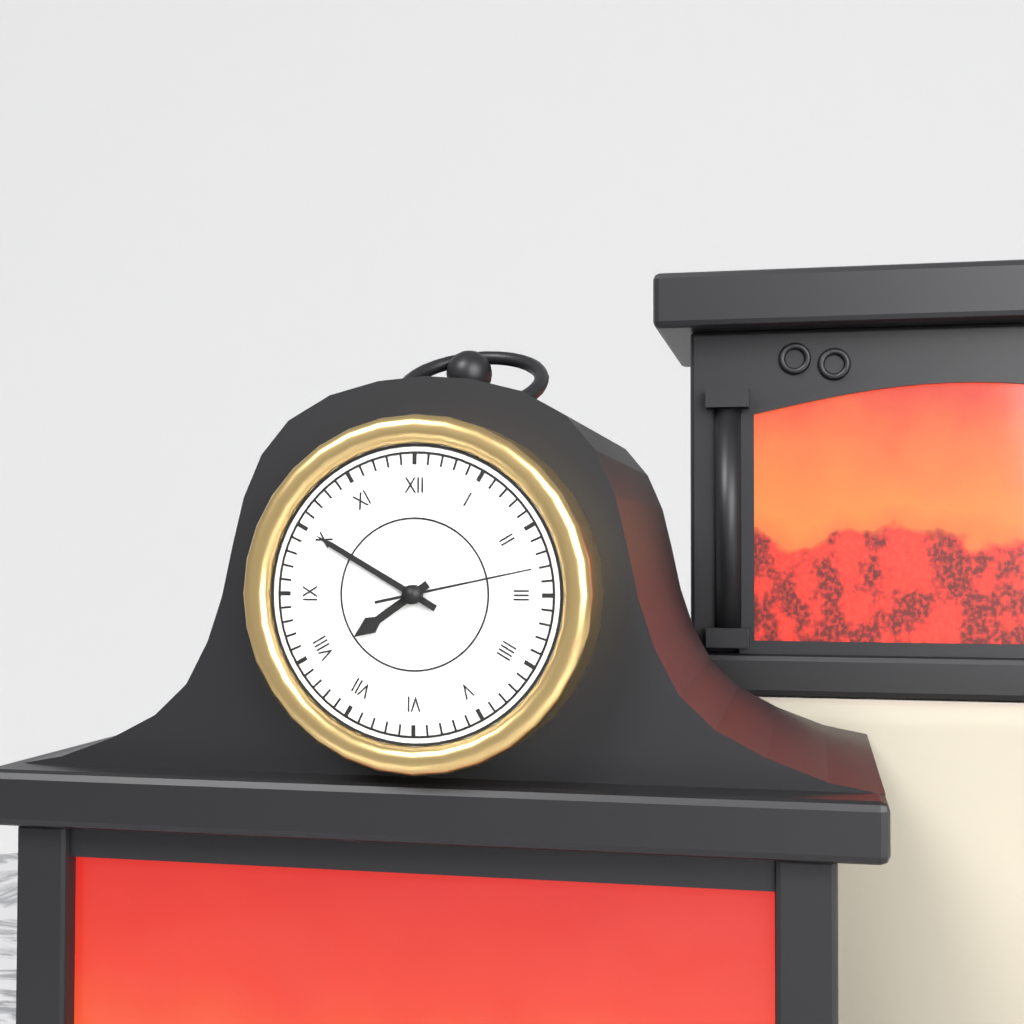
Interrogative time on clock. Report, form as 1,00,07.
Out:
7,50,13
